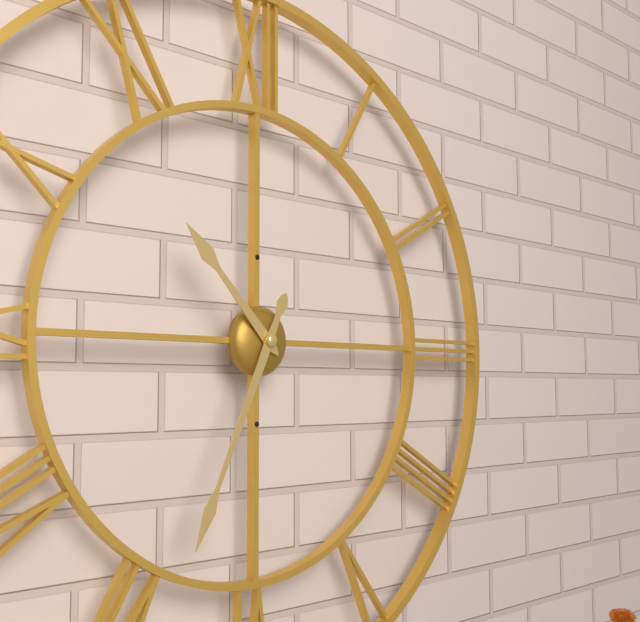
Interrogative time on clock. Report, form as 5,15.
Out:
10,34
